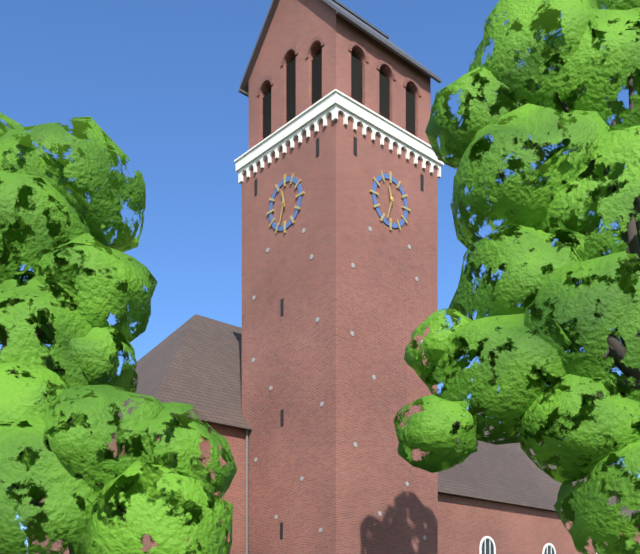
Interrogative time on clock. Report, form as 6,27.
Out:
11,33
